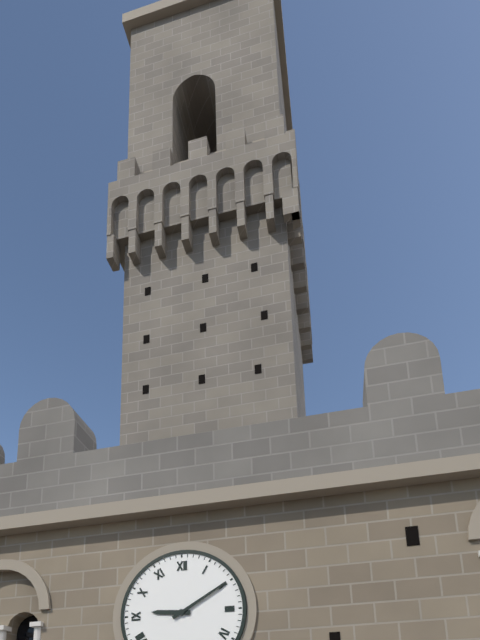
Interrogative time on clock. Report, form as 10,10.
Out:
9,10
